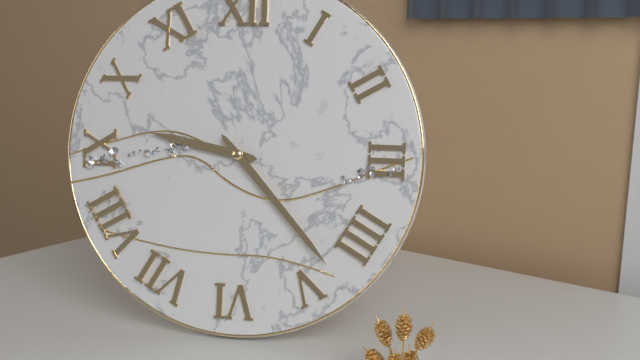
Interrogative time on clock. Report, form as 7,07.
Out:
9,23
